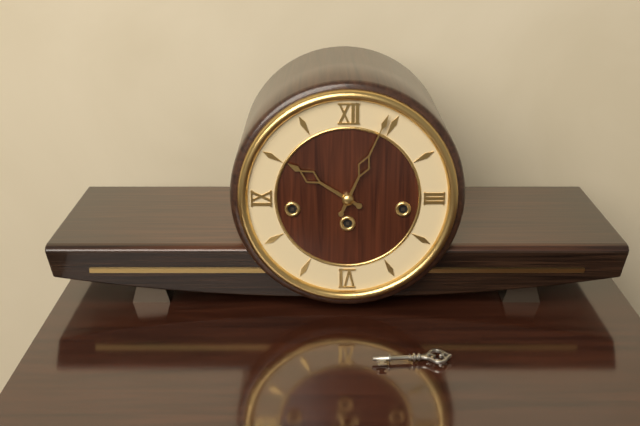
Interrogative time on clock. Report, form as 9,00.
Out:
10,04
